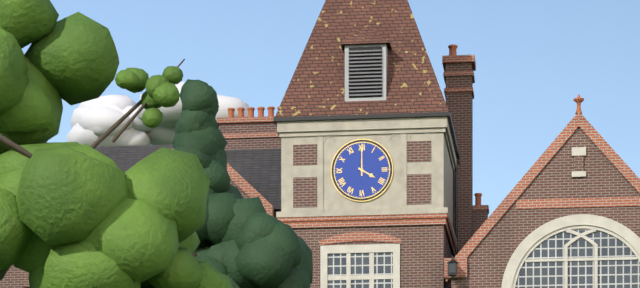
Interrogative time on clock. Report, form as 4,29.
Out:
4,00
